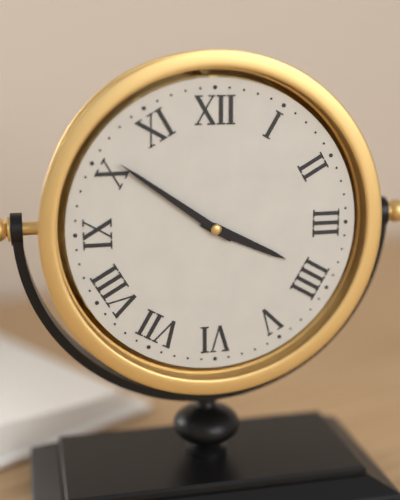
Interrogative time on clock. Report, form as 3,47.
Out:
3,51
